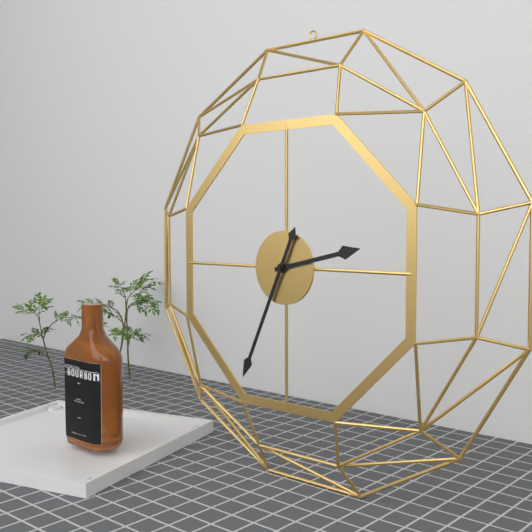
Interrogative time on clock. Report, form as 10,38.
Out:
2,34
